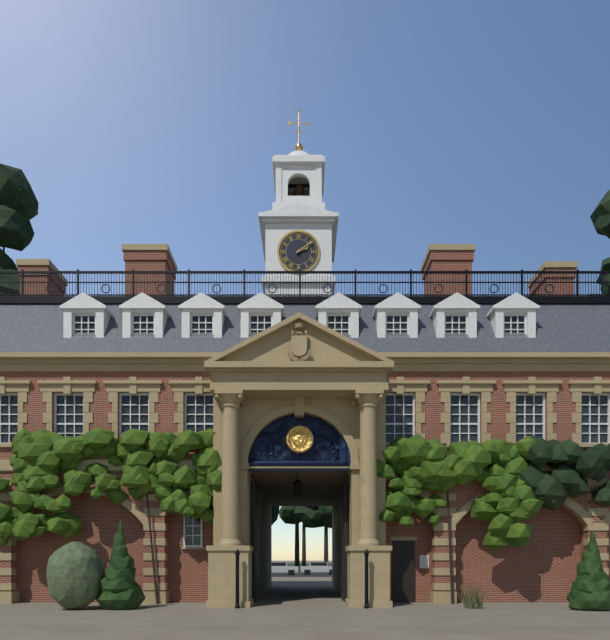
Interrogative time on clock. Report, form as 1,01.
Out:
2,09
